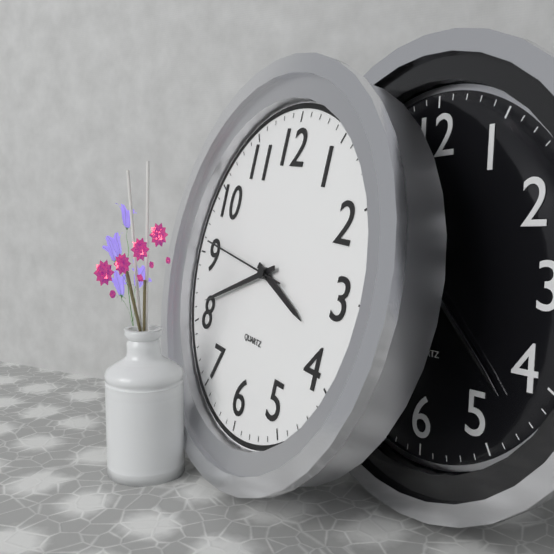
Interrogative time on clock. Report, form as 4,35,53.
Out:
3,41,46
